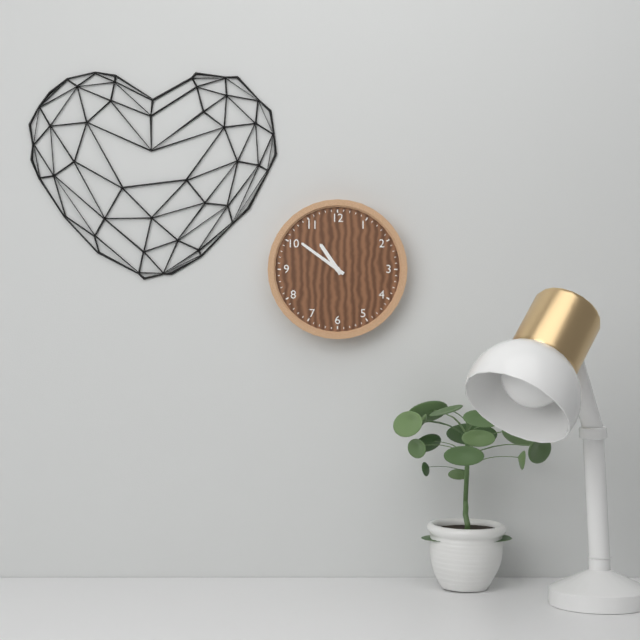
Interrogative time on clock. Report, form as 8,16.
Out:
10,51
